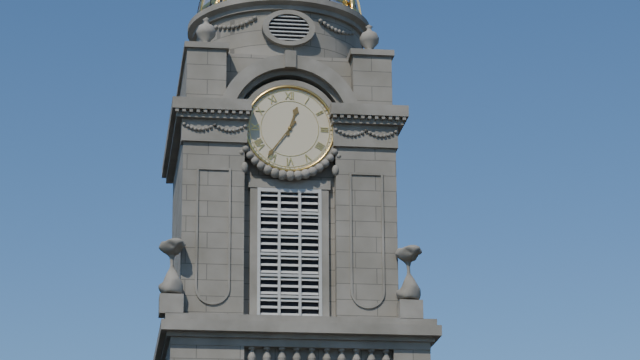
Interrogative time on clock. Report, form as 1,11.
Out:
12,36
